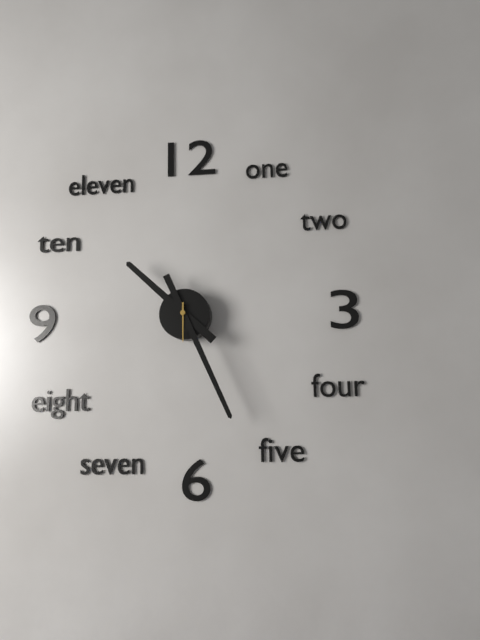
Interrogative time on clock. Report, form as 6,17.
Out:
10,26
